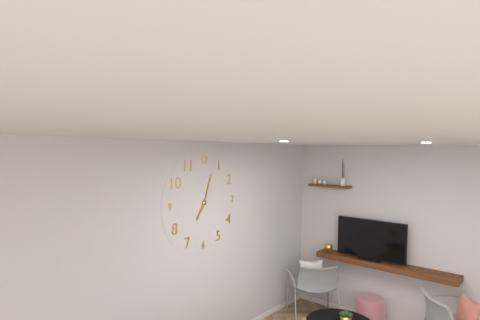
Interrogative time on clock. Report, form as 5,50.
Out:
7,03
